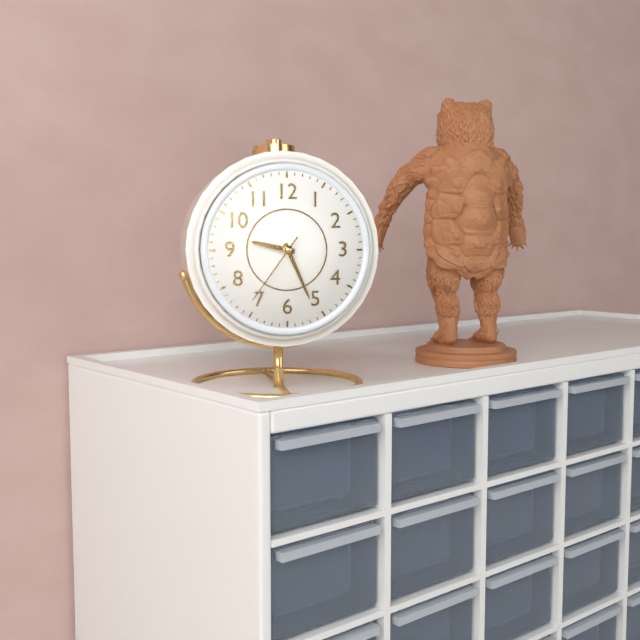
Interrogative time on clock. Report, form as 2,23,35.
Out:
9,26,36
